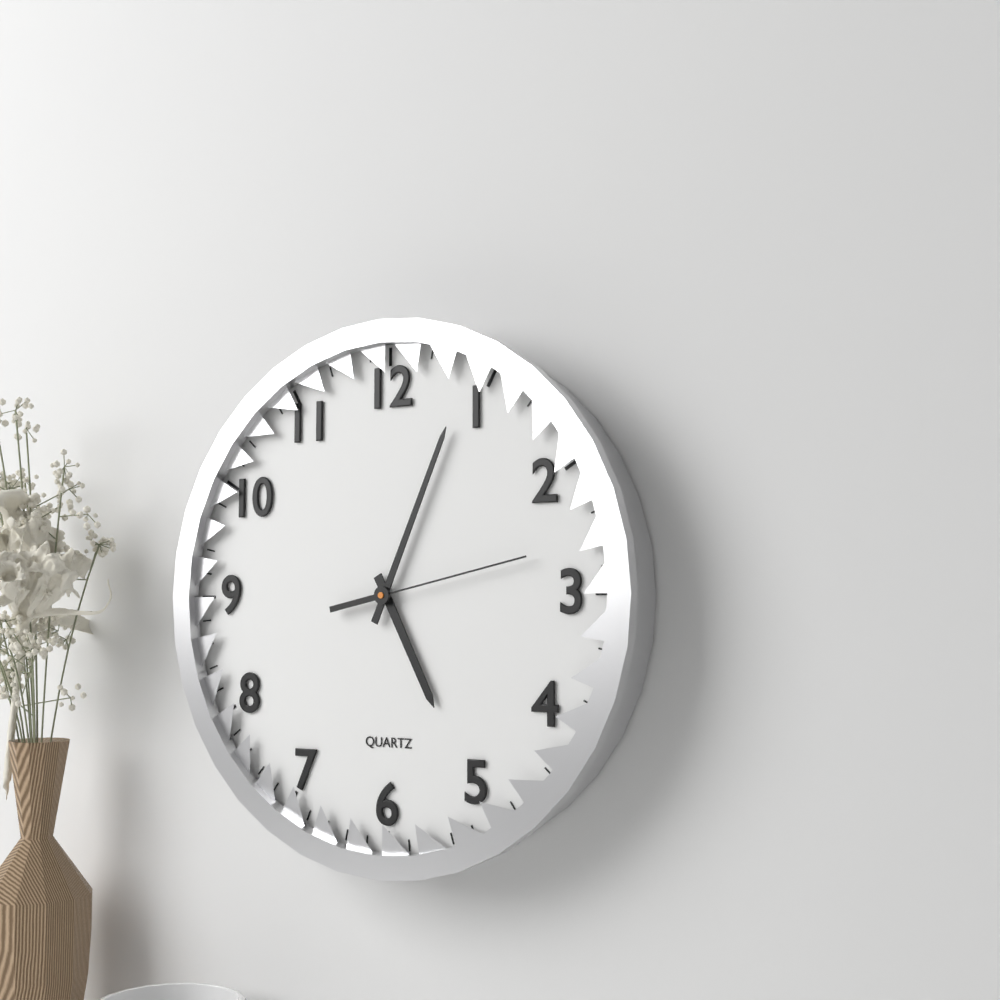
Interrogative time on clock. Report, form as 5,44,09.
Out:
5,04,13
